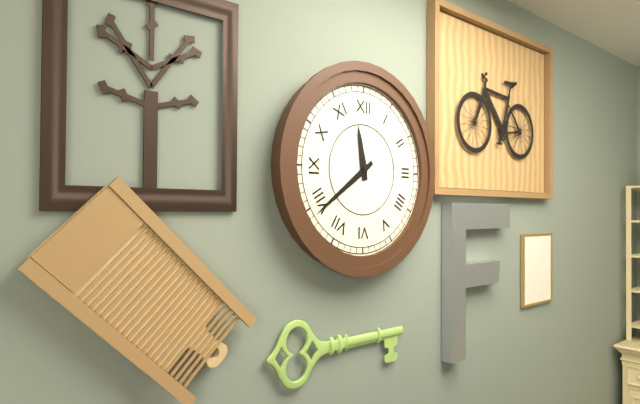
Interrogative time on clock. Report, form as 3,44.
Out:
11,39
